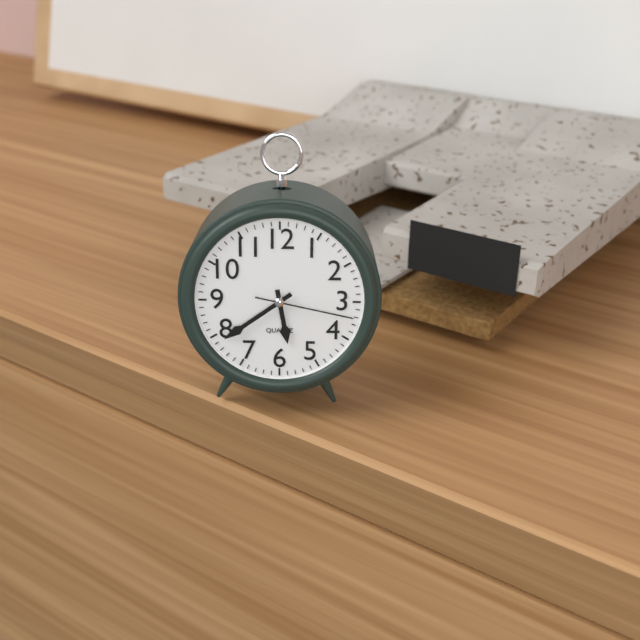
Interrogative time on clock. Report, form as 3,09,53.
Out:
5,39,17
